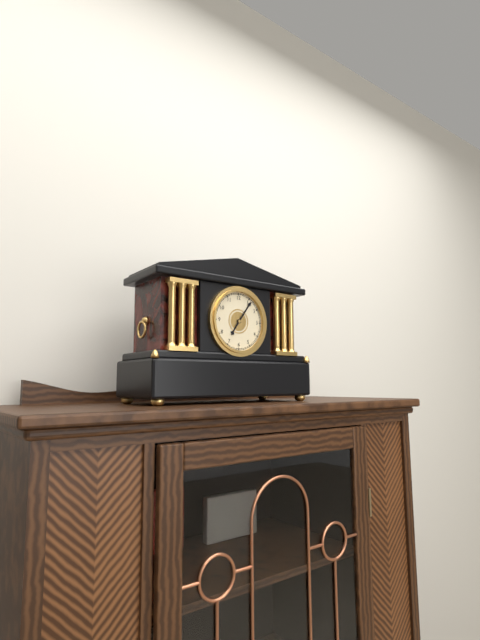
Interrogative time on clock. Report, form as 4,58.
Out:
7,06
